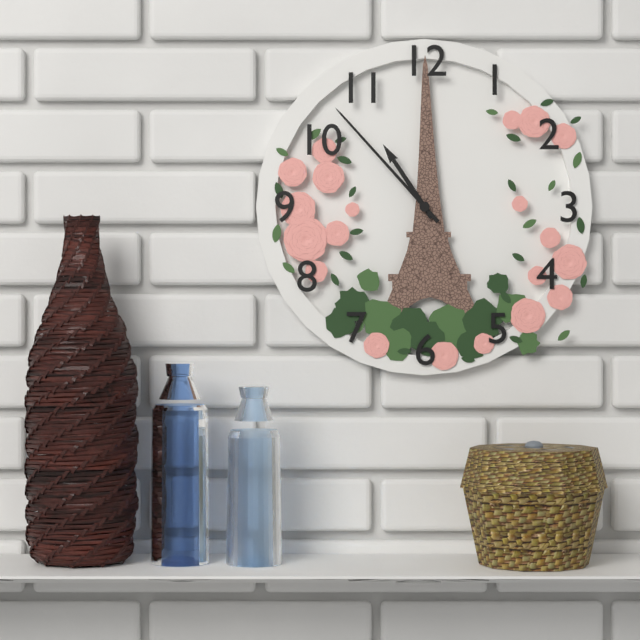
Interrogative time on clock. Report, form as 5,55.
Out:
10,53
